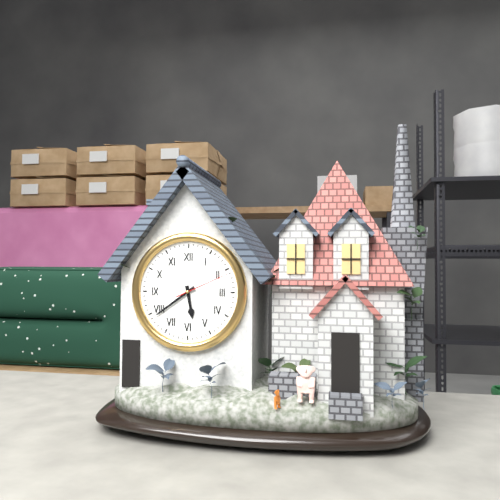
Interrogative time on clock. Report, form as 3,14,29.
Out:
5,39,11
